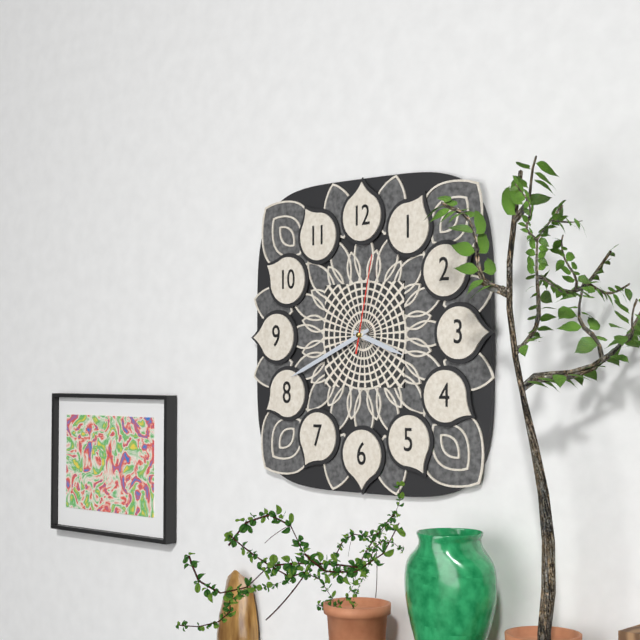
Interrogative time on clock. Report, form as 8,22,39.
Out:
3,41,02
